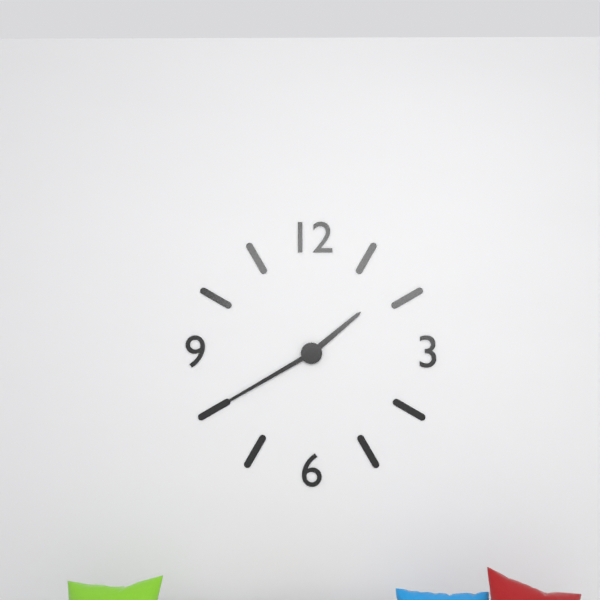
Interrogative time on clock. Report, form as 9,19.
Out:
1,40
